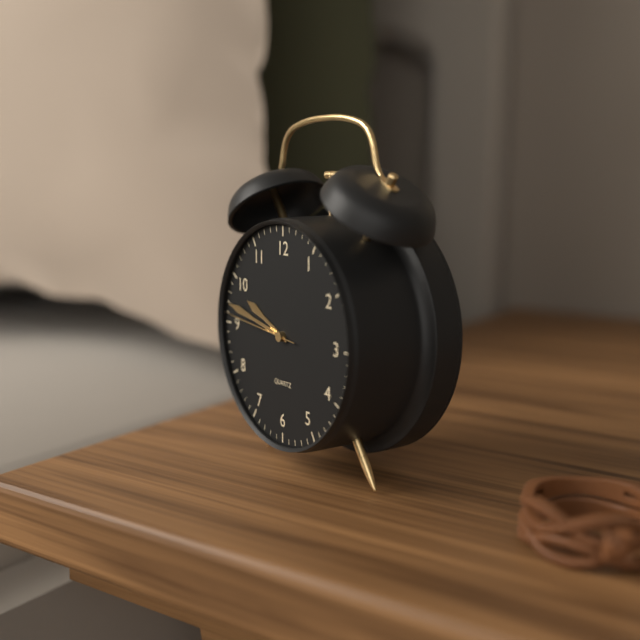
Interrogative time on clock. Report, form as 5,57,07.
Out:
9,47,46
